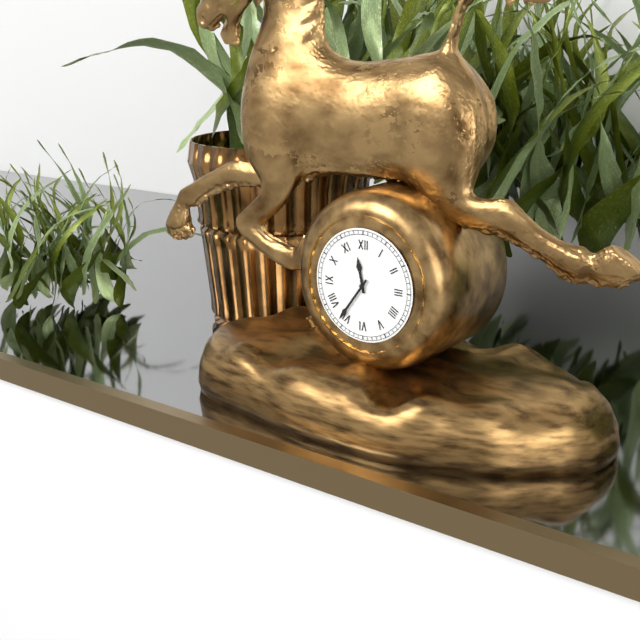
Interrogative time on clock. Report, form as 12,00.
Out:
11,36
